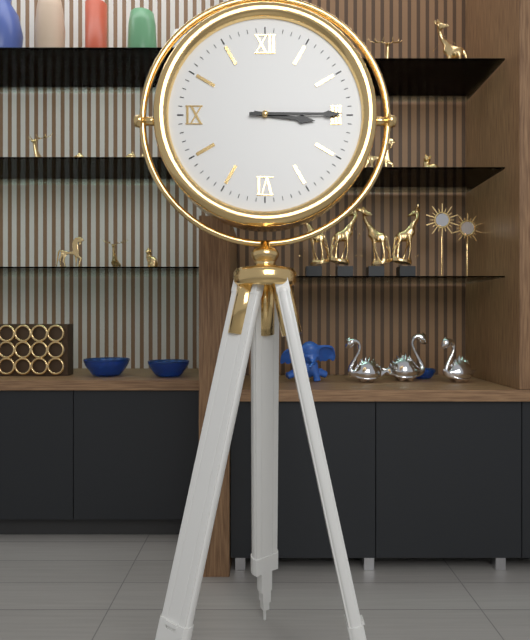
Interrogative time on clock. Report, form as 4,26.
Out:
3,15
